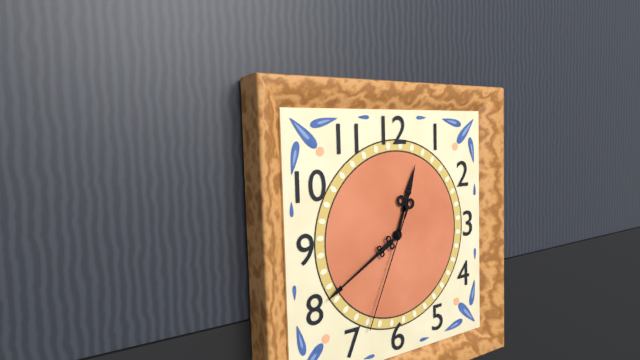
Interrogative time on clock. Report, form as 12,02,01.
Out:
12,40,34
